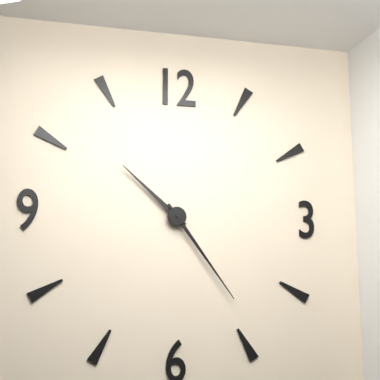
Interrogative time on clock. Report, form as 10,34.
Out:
10,24
